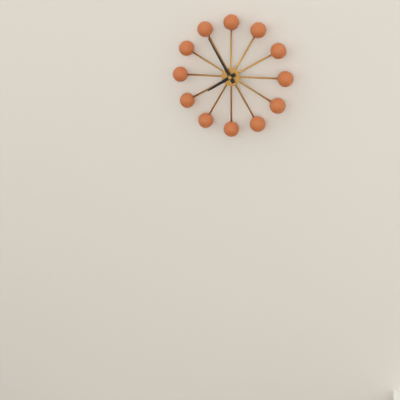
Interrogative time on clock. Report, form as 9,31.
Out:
7,55
